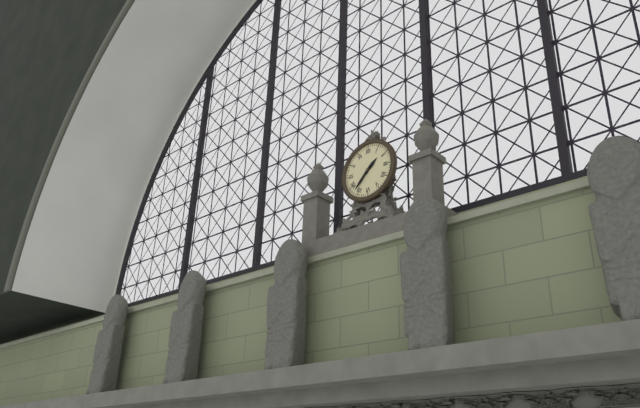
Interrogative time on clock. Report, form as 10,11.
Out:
1,37
